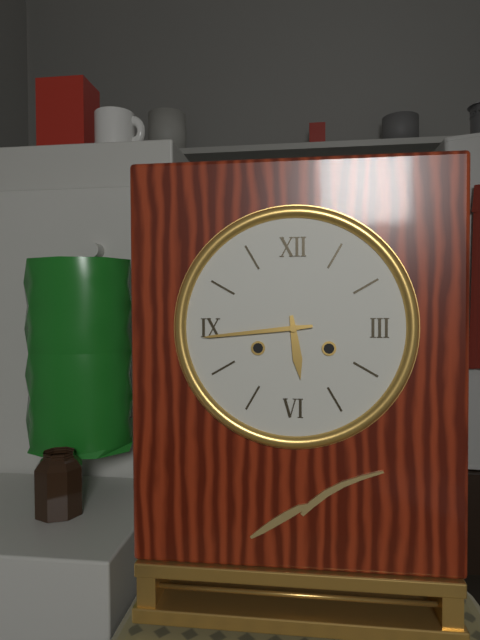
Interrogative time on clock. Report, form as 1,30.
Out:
5,44
